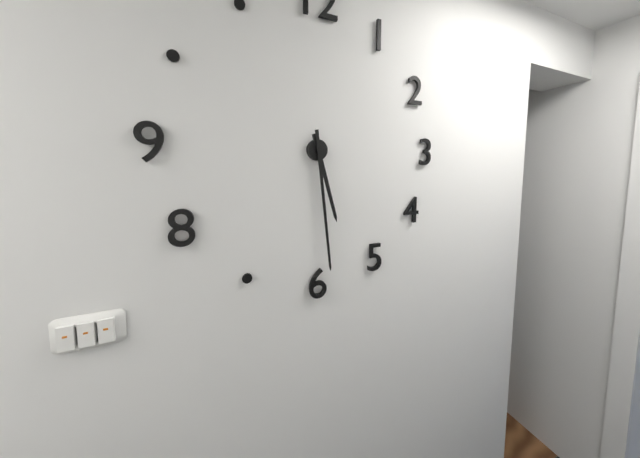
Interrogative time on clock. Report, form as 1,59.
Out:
5,29
